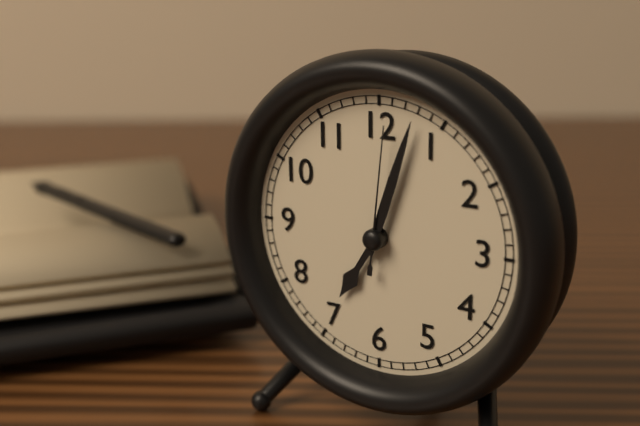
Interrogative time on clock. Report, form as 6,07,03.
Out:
7,03,01
